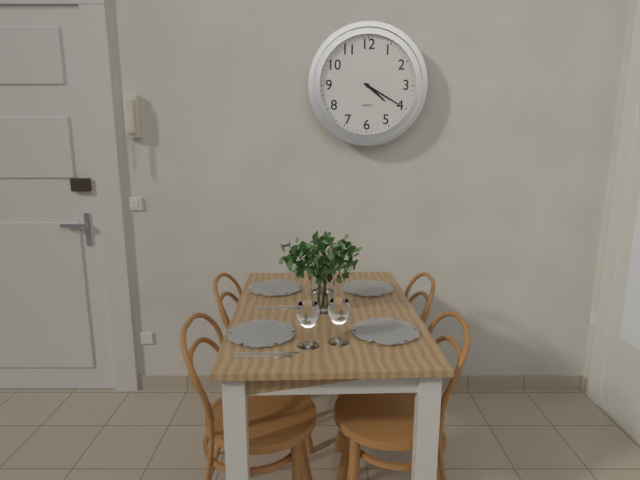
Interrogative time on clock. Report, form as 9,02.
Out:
4,20
